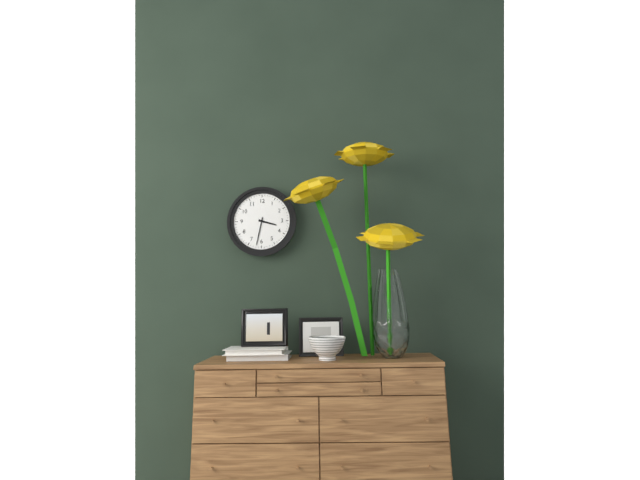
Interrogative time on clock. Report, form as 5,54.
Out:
3,32
